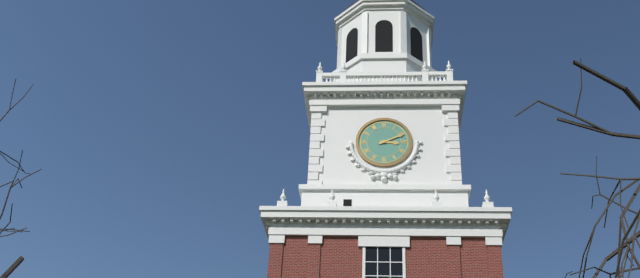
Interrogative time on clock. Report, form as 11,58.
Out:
3,11
